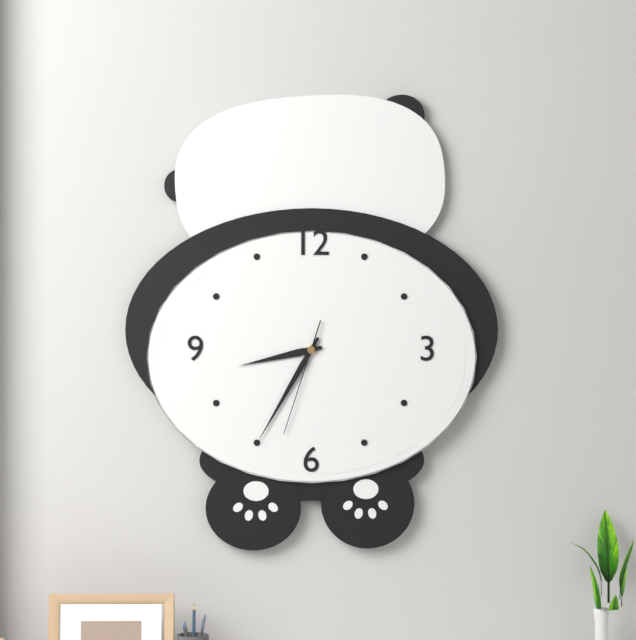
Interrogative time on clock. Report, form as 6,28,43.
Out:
8,35,33
